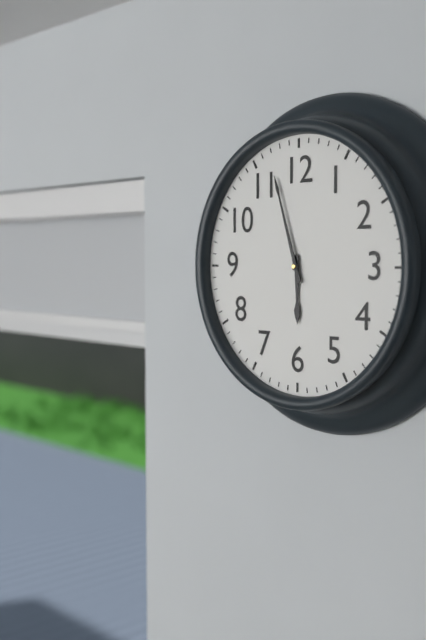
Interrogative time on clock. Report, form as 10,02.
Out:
5,57
